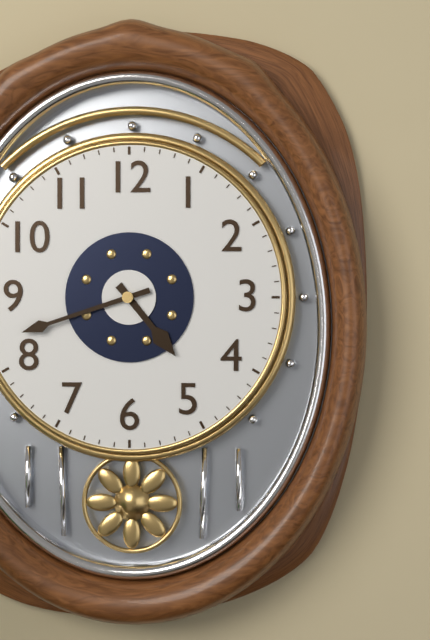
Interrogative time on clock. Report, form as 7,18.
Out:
4,42
